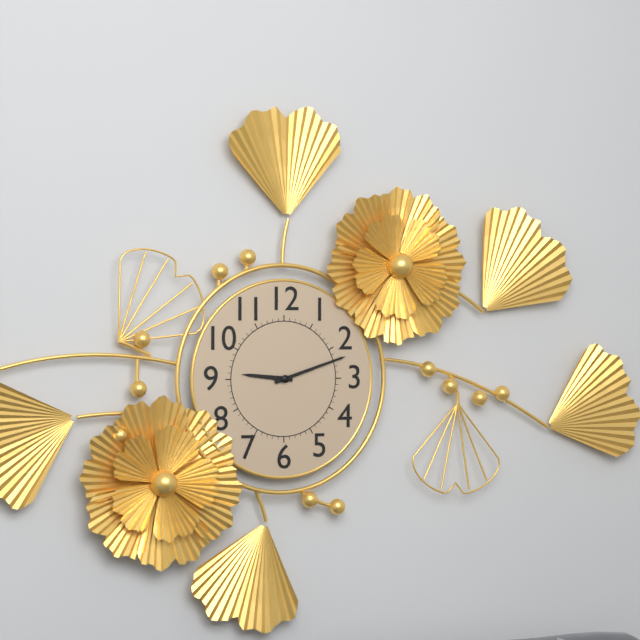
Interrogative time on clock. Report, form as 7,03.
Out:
9,12
